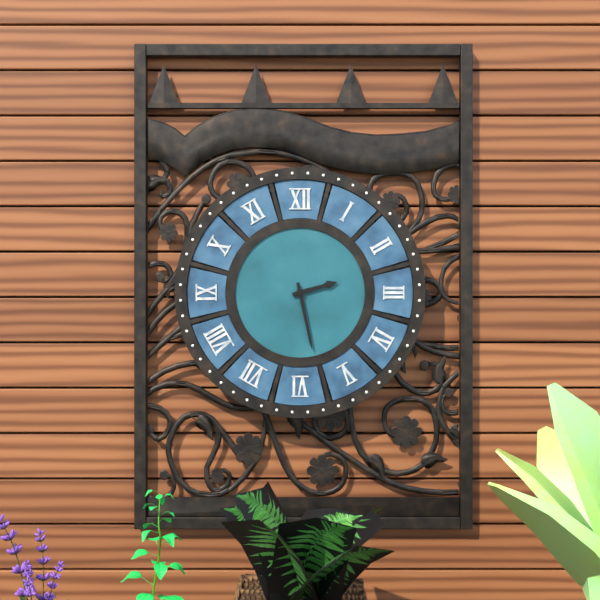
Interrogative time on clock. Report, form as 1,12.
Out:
2,28
